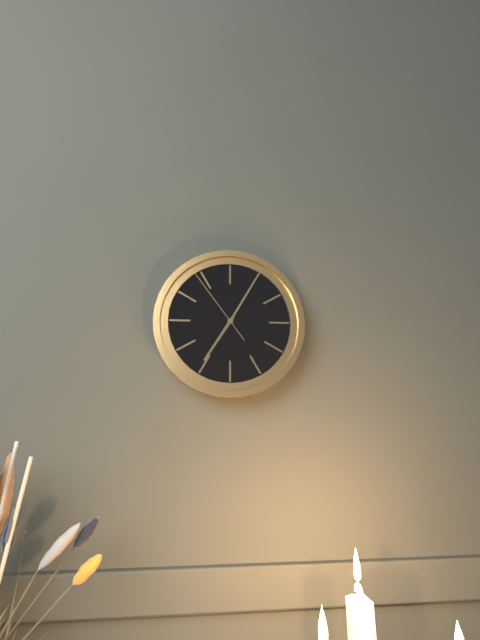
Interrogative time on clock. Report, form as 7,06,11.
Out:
7,05,54
